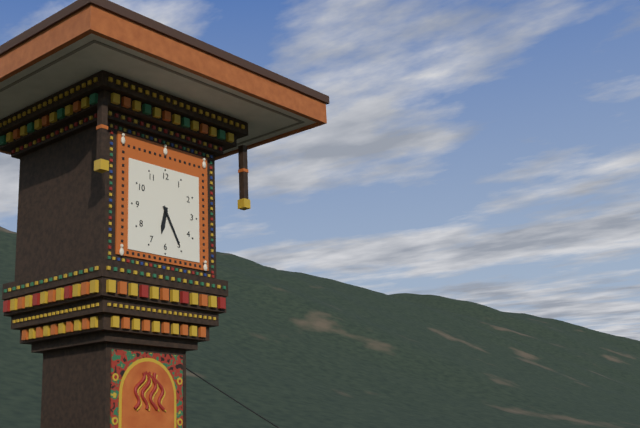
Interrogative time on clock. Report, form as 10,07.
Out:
6,25
